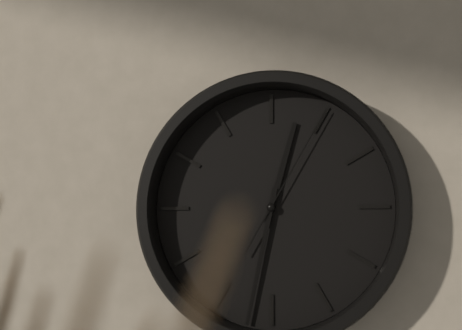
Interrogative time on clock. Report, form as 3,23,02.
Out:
12,32,05
